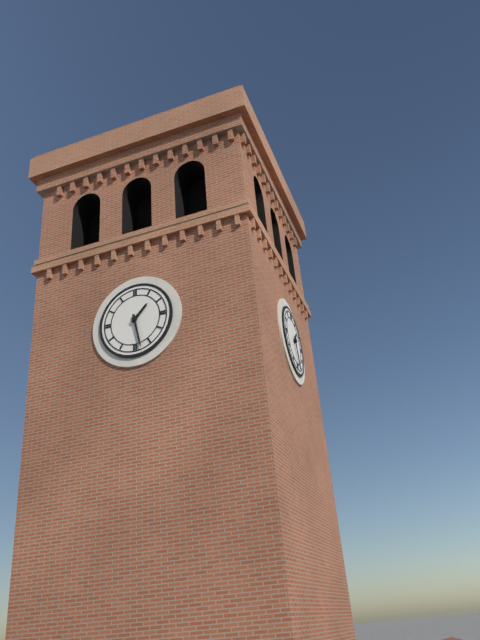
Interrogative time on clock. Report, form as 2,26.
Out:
1,28
